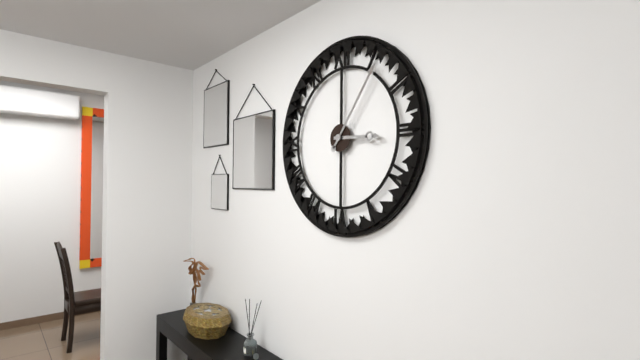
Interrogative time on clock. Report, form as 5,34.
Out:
3,06
